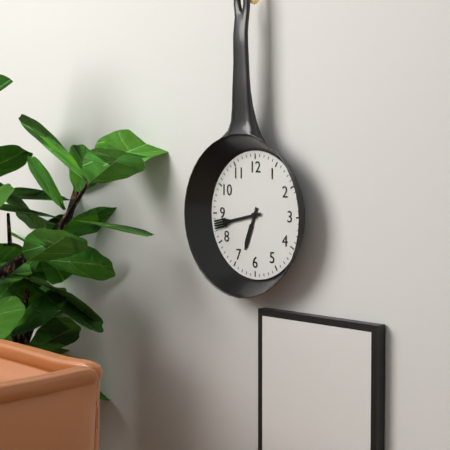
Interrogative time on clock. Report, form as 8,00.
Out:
6,43
